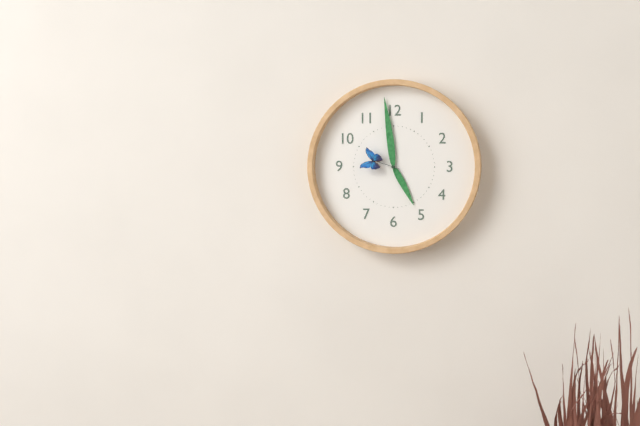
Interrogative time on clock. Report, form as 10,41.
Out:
4,59
